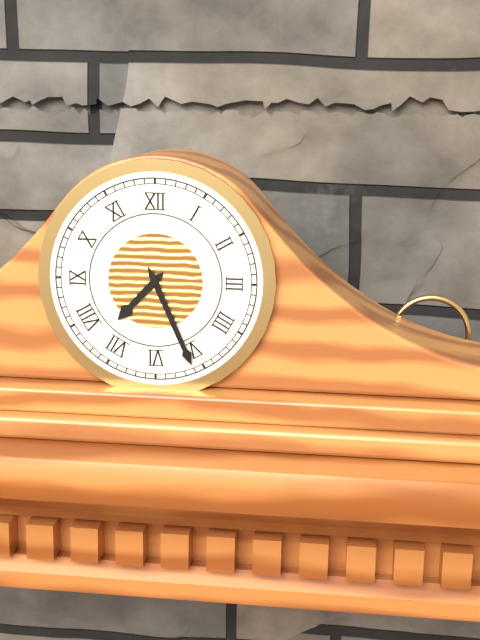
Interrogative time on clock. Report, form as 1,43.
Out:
7,26
